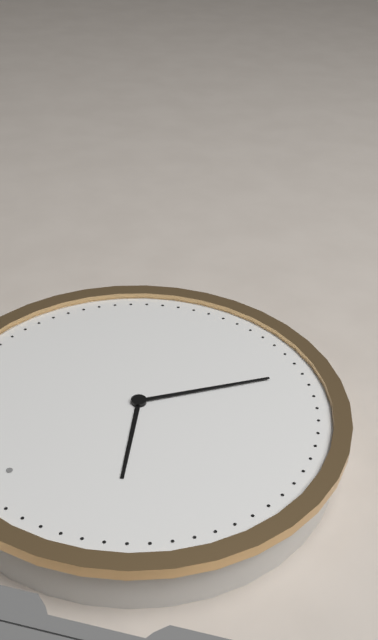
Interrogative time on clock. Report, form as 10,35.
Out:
10,34
